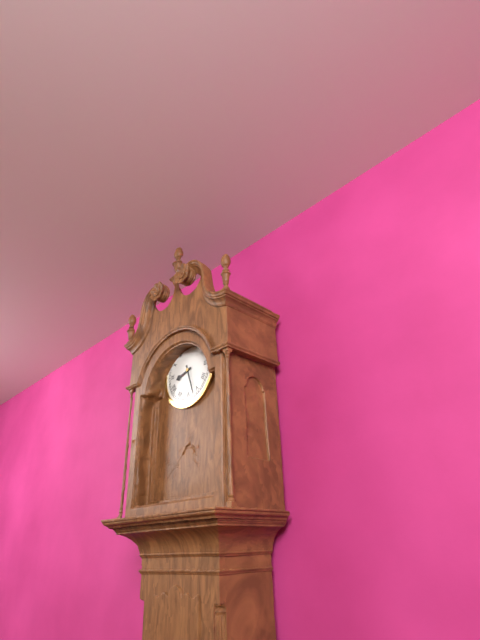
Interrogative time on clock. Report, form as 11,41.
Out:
8,27
